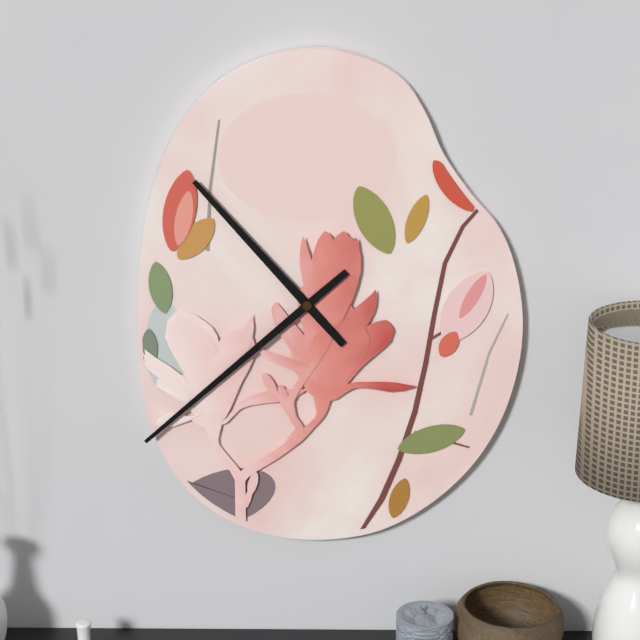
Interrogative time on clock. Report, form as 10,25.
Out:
10,38
